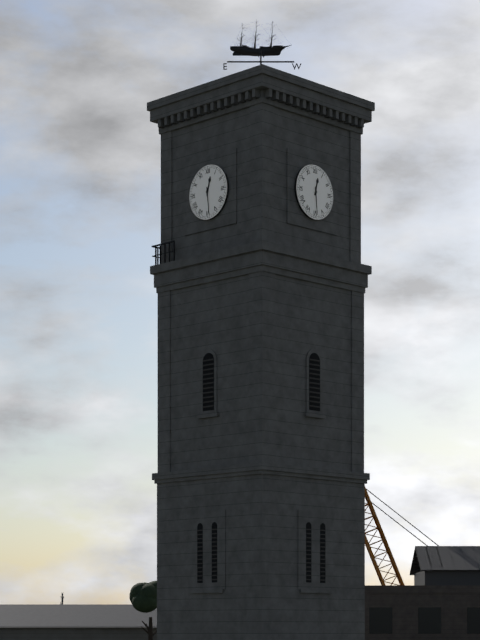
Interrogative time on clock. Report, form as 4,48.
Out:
12,29
